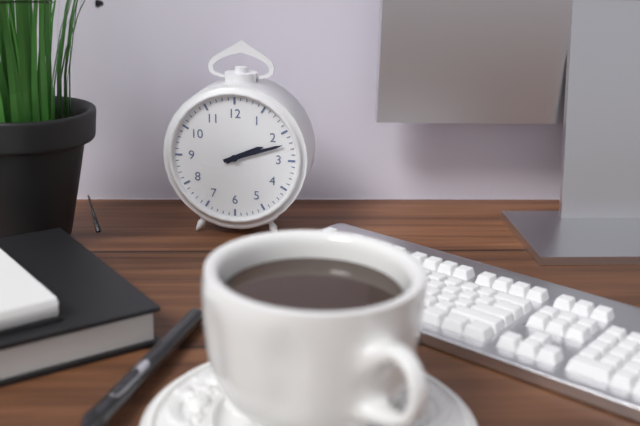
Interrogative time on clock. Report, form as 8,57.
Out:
2,12
